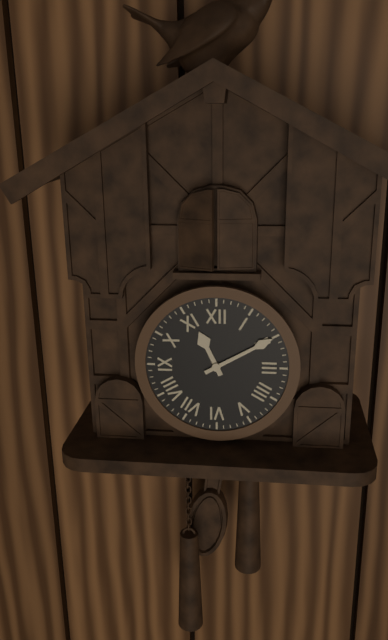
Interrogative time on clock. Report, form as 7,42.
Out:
11,10
